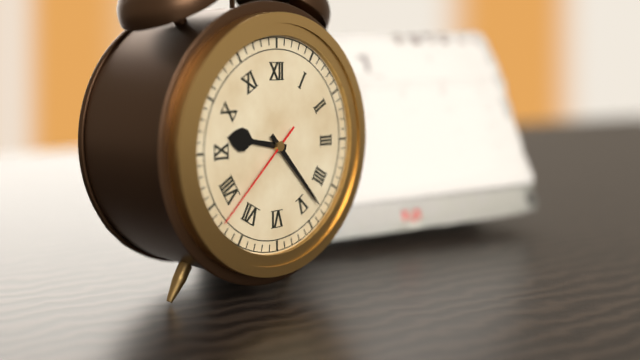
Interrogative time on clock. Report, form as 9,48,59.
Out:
9,23,38
